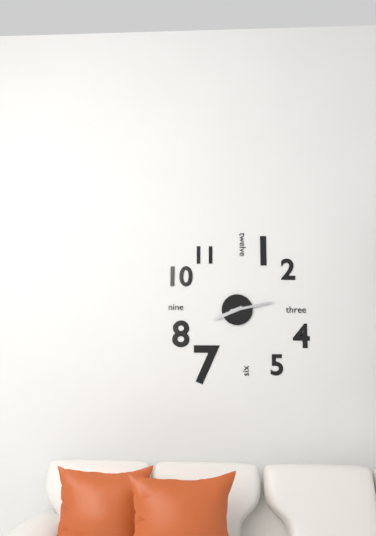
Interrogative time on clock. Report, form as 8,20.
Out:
8,13
